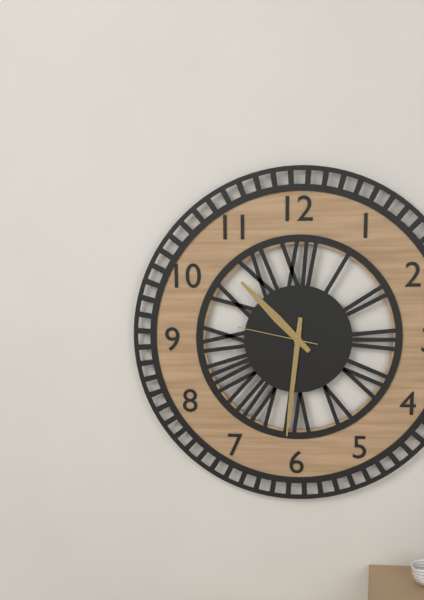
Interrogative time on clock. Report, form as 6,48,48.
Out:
10,31,47
